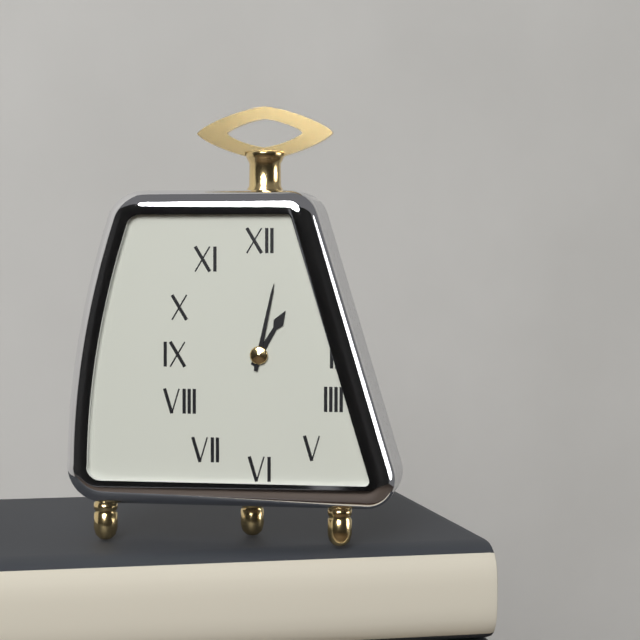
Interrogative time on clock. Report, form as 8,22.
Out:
1,02
